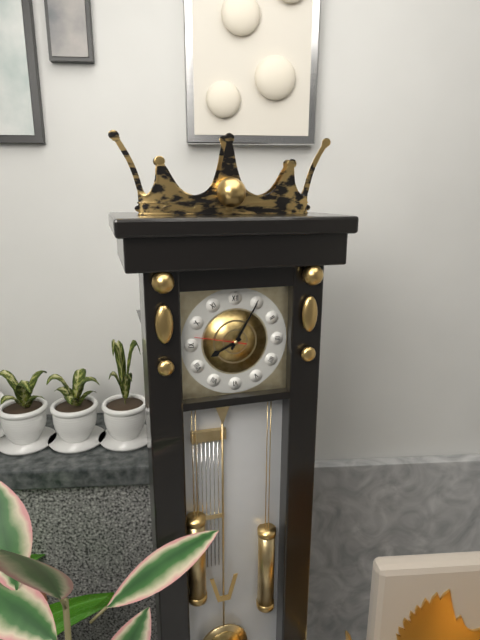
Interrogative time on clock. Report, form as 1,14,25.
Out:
8,05,47
